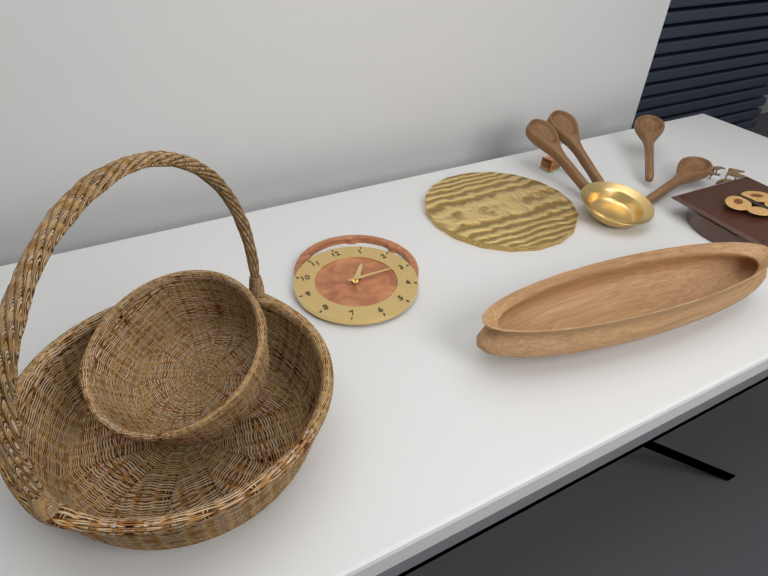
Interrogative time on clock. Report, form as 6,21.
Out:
1,15
